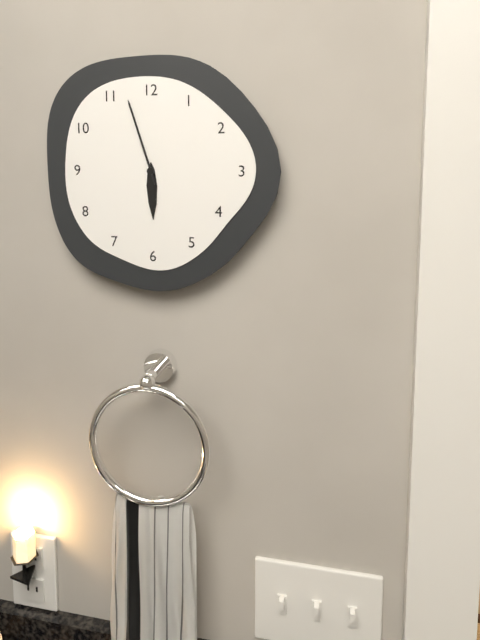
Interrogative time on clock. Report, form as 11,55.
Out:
5,57
